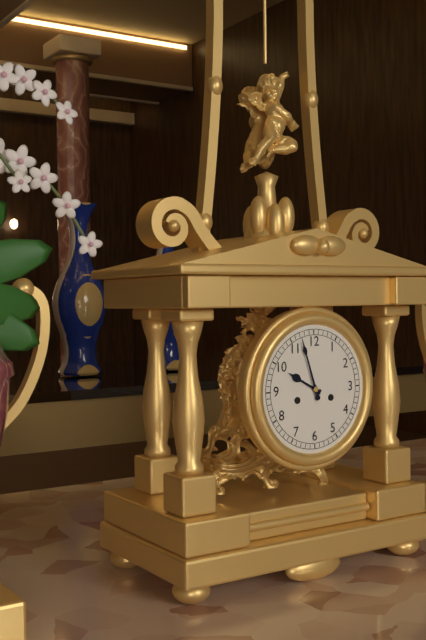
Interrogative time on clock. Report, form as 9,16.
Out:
9,57
